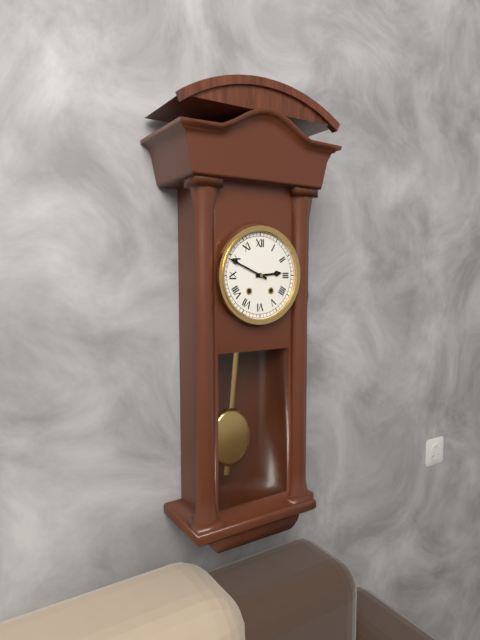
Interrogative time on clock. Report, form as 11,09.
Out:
2,49
